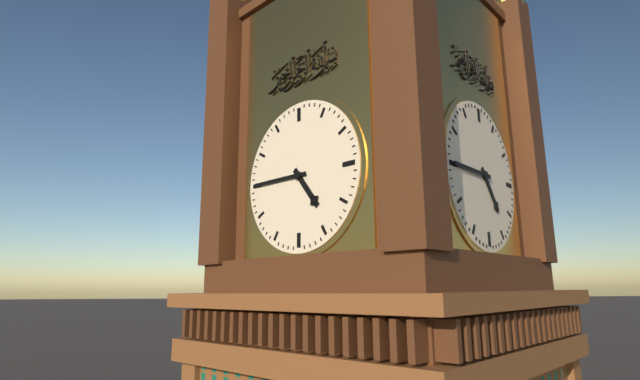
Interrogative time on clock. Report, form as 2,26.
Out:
4,45
